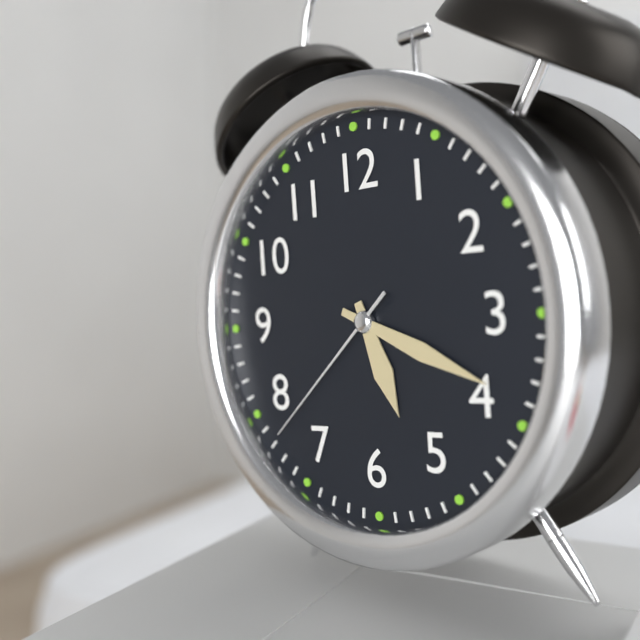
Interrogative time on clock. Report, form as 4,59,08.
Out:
5,19,38
